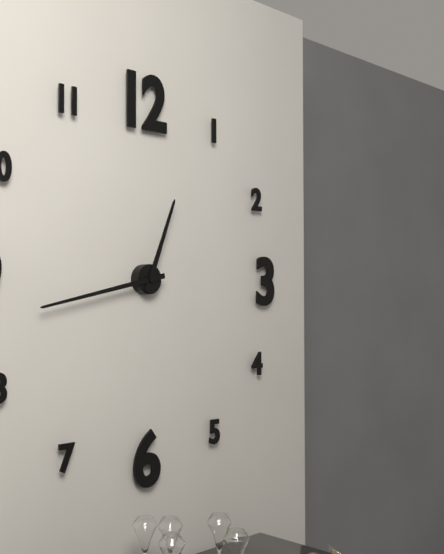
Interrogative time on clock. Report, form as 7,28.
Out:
12,43
